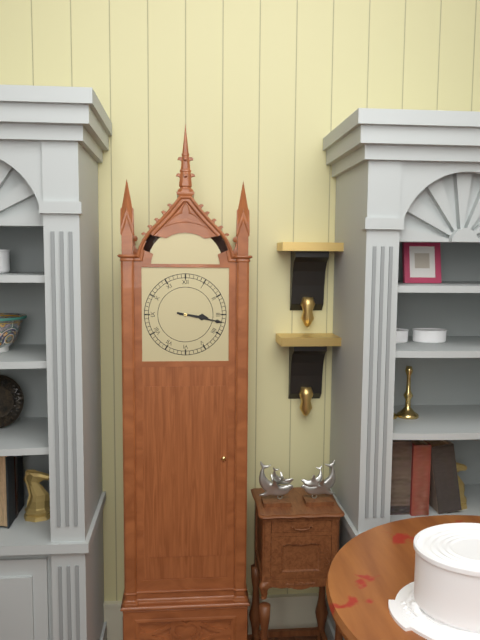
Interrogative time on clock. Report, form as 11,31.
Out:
3,17
